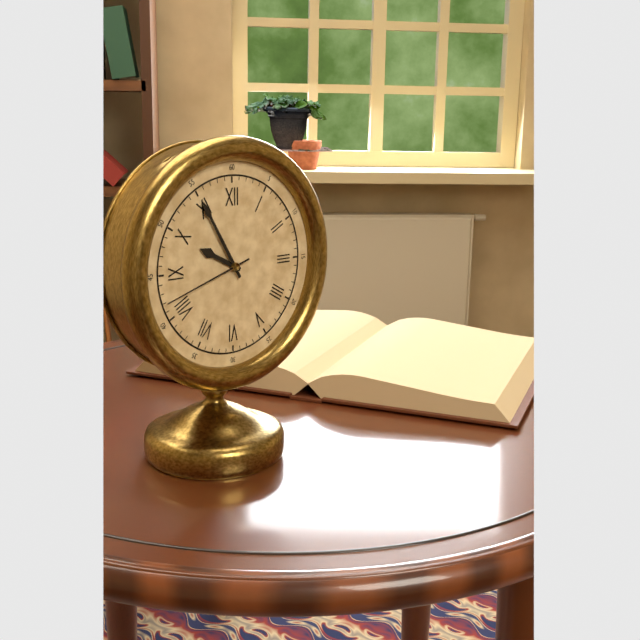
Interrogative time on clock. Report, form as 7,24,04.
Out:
9,55,42
